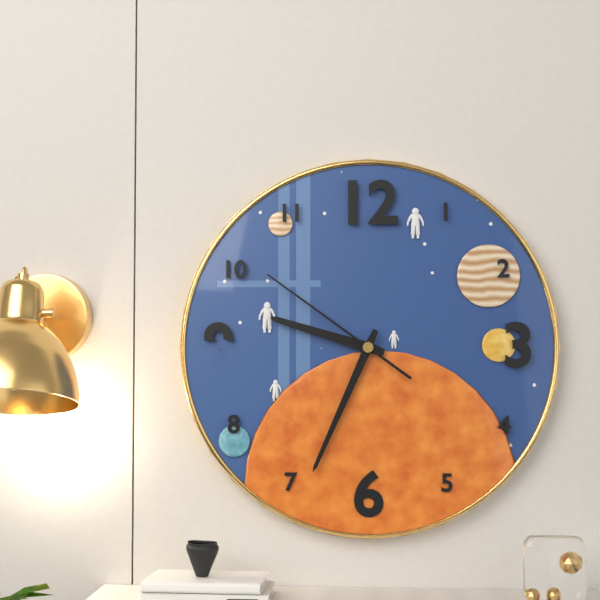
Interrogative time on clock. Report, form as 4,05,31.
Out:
9,34,51
